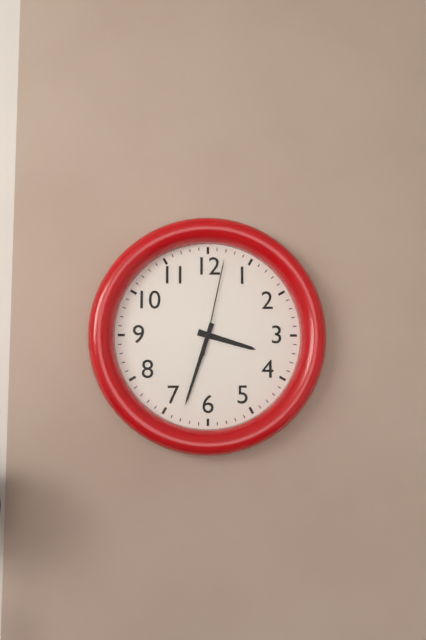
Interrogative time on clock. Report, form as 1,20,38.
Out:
3,33,02
